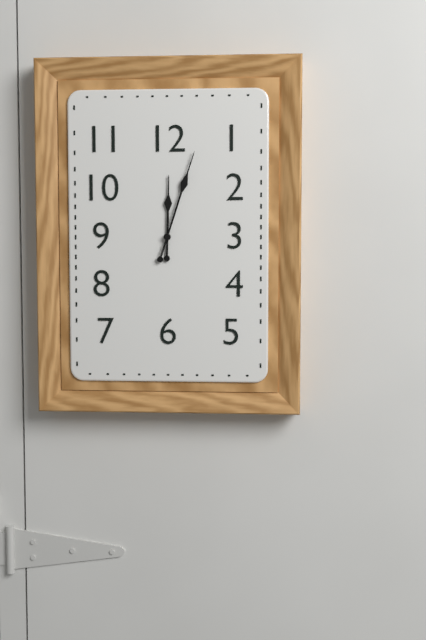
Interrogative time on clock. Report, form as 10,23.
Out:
12,03
